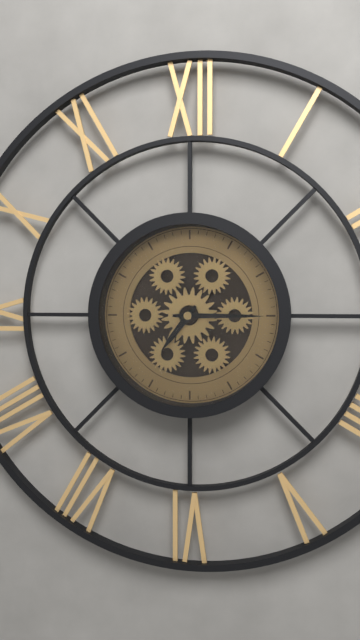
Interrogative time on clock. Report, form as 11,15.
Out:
7,15
